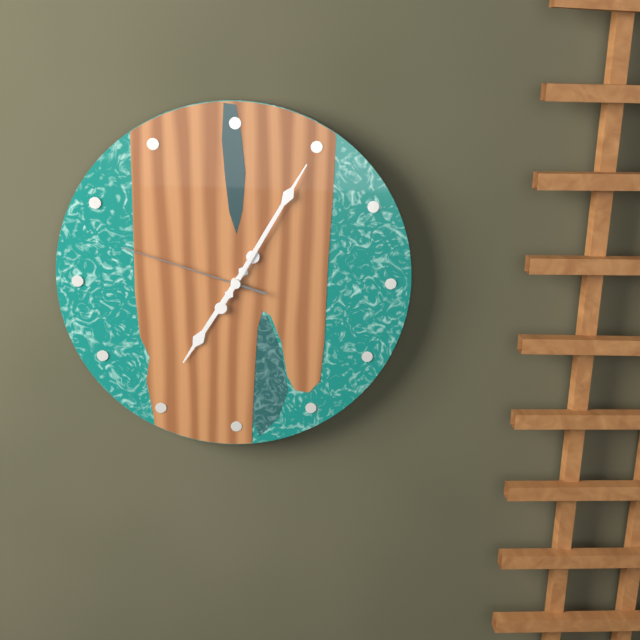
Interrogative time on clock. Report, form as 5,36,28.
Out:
7,05,48
